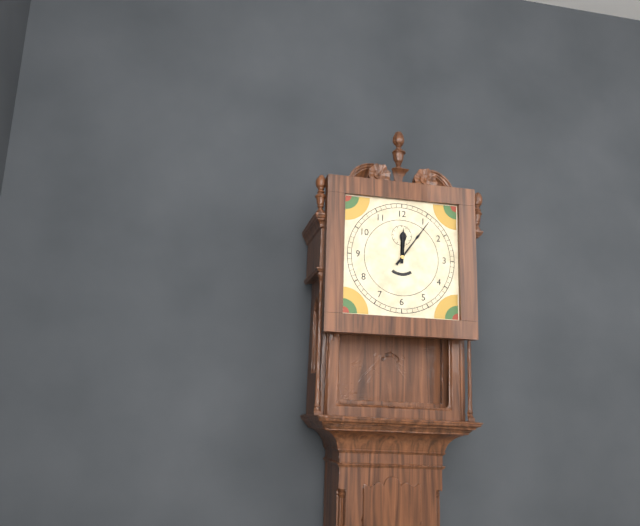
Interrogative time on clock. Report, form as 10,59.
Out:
12,06
